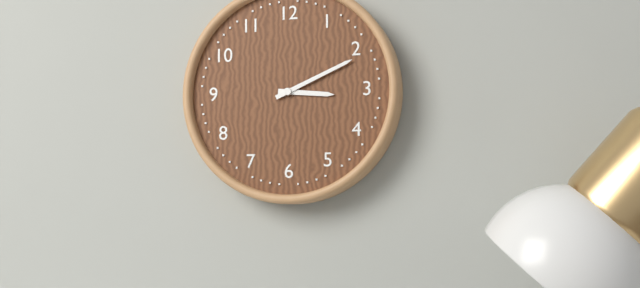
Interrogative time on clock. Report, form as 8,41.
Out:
3,11
